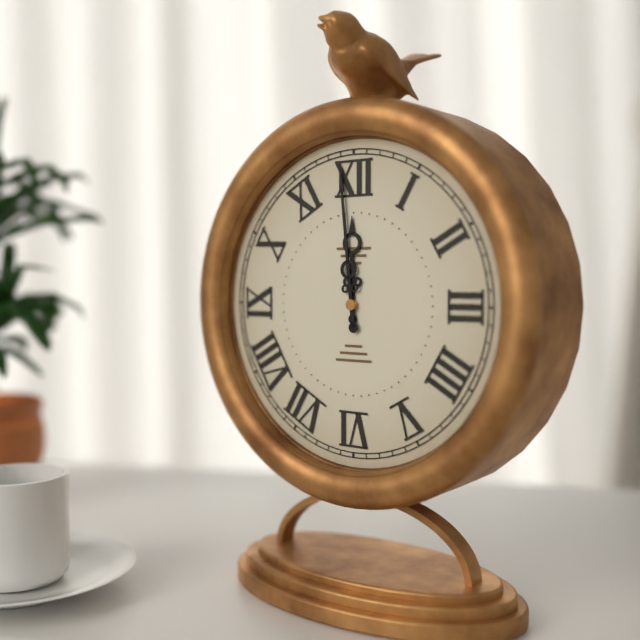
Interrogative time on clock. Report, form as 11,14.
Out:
11,59
